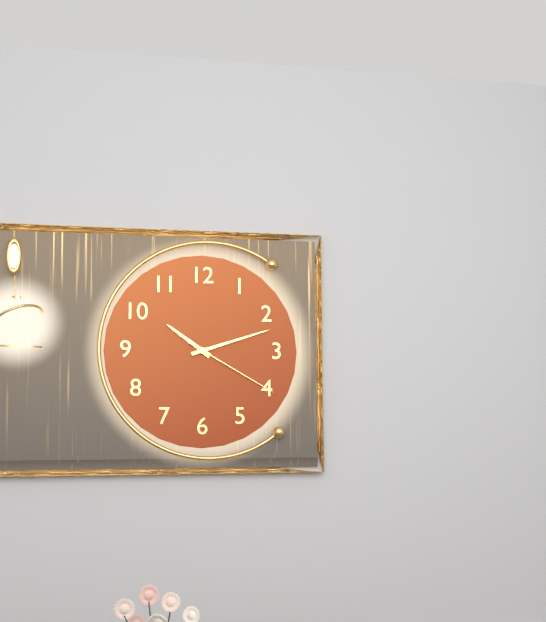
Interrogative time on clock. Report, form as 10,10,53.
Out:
10,12,20
